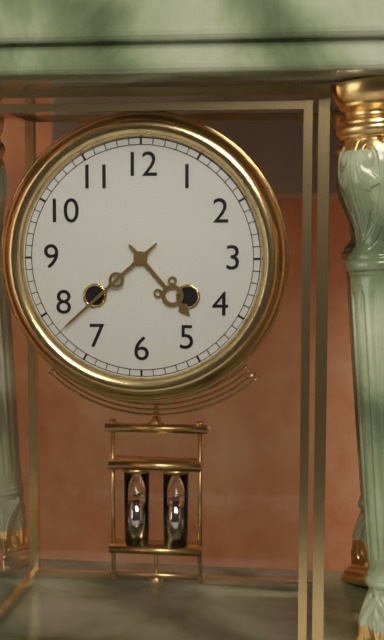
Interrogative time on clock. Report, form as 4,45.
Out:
4,38
